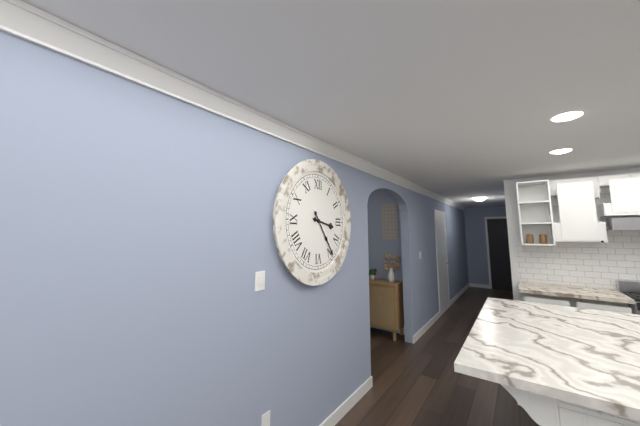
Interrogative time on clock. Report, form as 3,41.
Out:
3,24
